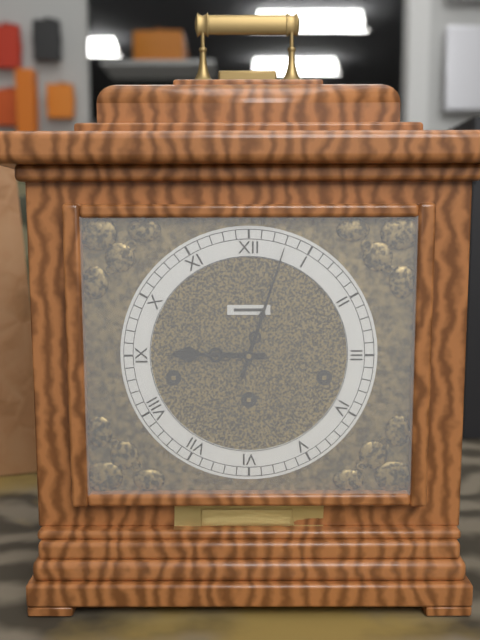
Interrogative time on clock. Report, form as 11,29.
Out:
9,03
